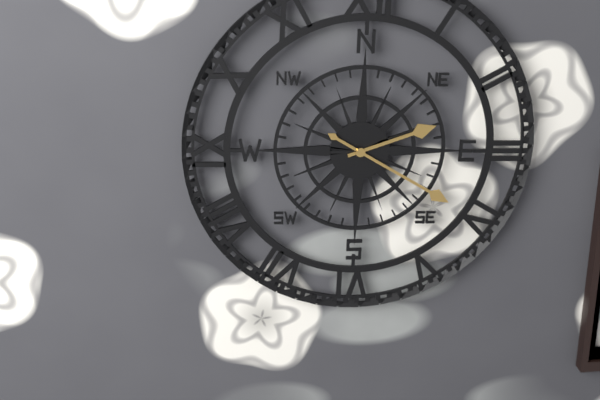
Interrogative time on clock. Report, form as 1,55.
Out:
2,20
